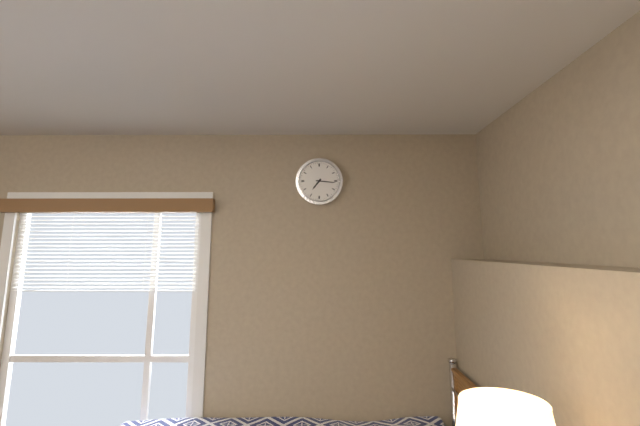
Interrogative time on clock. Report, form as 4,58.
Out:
7,16
